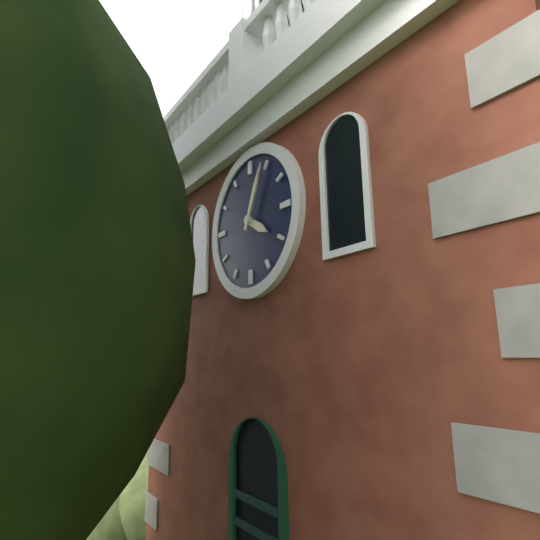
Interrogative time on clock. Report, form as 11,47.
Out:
4,04
